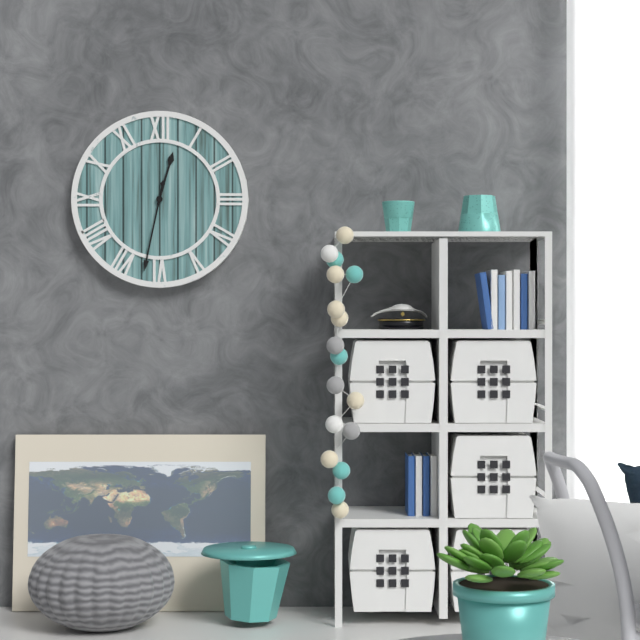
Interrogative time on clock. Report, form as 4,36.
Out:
12,32
